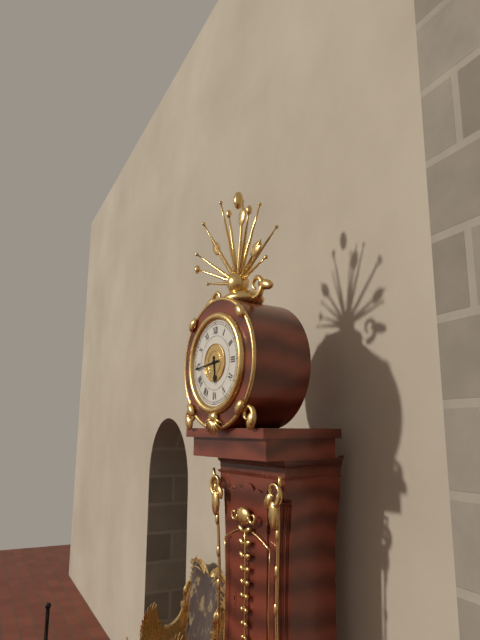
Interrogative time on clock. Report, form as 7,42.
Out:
5,44
